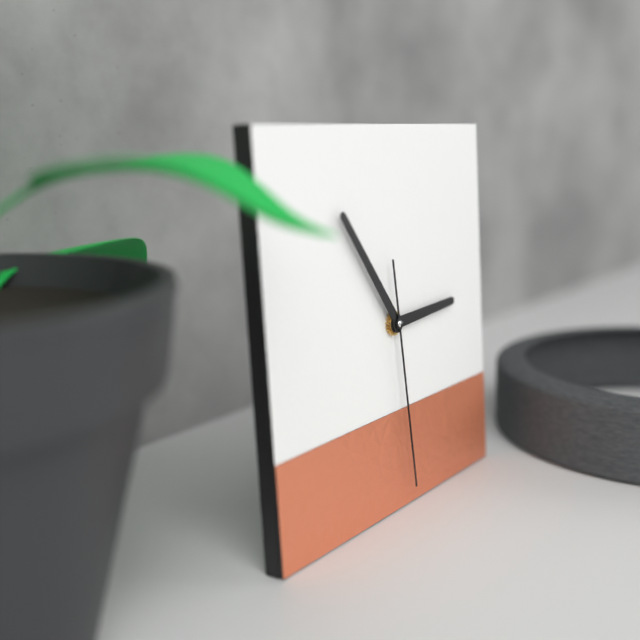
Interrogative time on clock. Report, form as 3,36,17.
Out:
2,54,29
